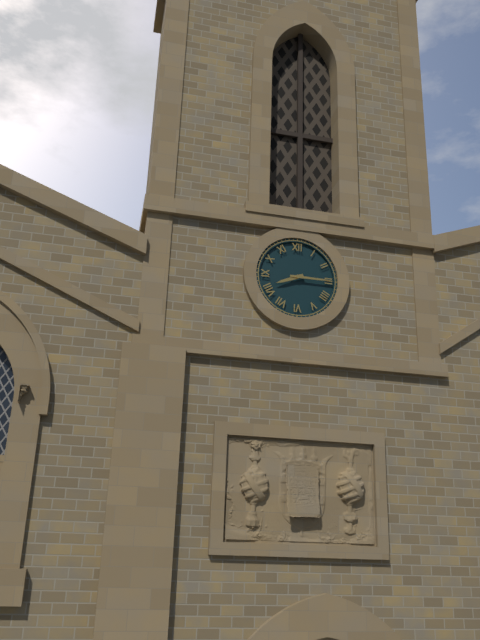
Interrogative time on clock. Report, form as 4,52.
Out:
8,15
